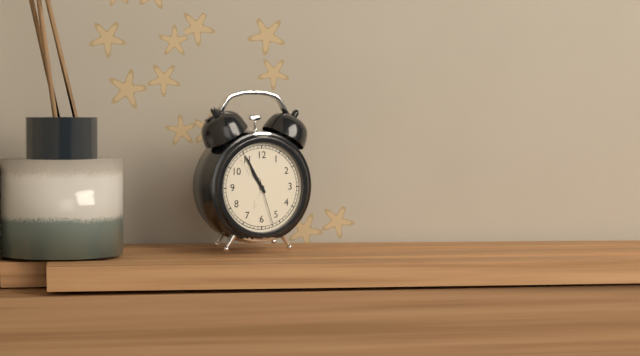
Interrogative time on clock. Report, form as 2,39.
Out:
10,55
